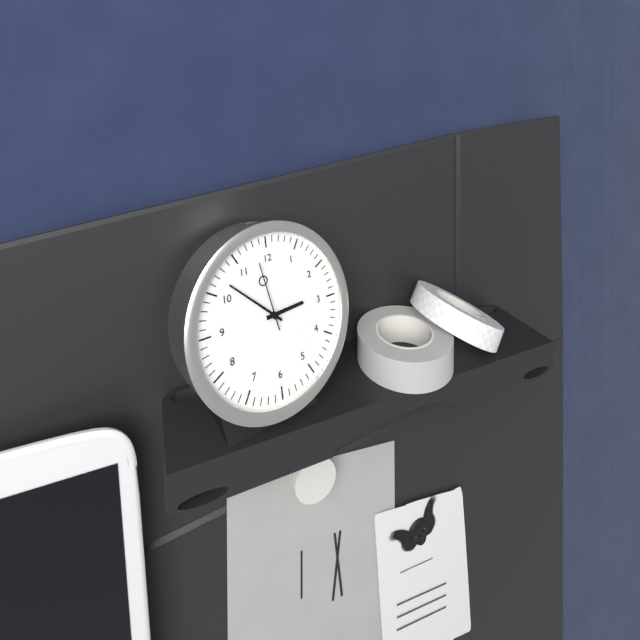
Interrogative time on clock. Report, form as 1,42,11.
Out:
2,52,58
